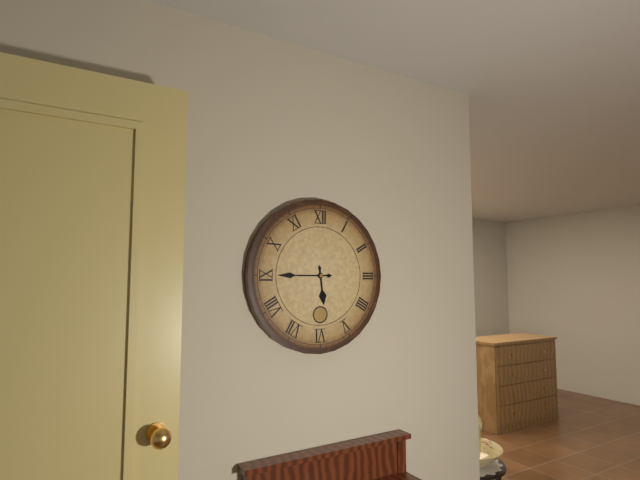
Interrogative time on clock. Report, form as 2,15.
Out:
5,45
